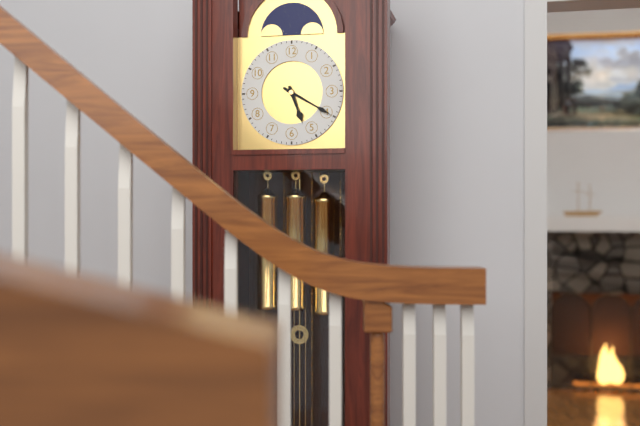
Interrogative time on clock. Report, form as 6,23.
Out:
5,20
